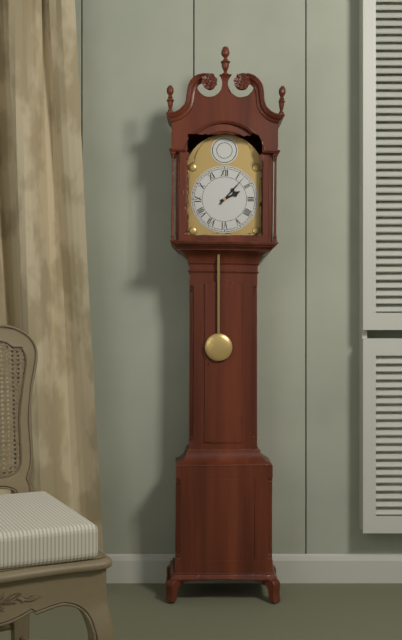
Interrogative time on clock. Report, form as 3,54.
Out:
2,07
